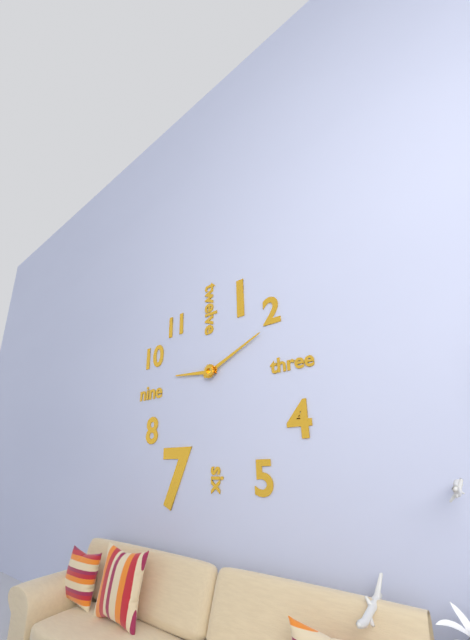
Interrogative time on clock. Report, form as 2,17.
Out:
9,11
